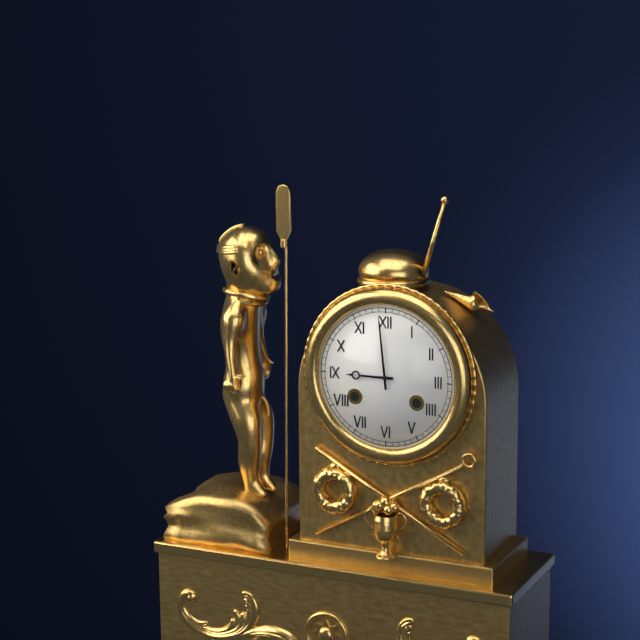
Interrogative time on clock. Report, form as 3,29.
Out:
8,59
